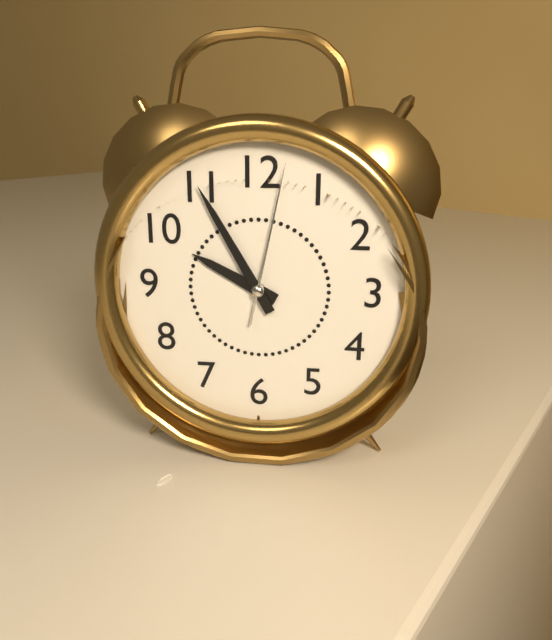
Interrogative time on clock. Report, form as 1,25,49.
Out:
9,55,02
